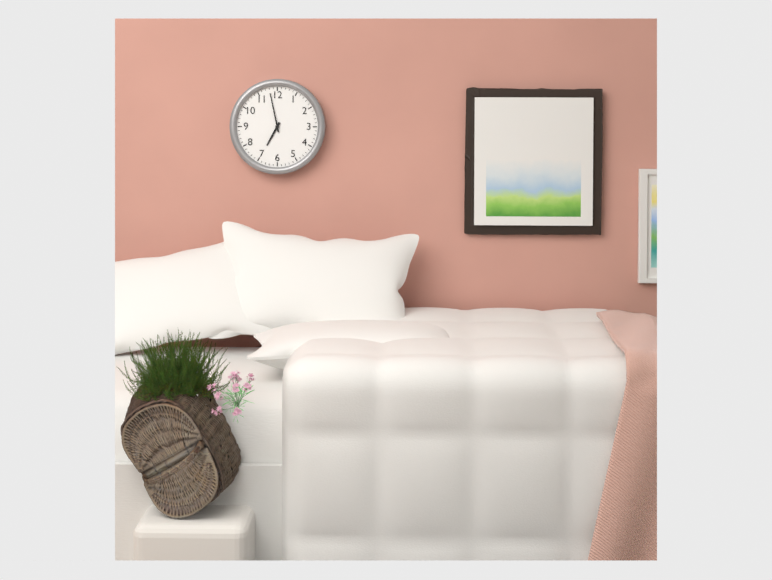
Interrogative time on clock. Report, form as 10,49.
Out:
6,58
